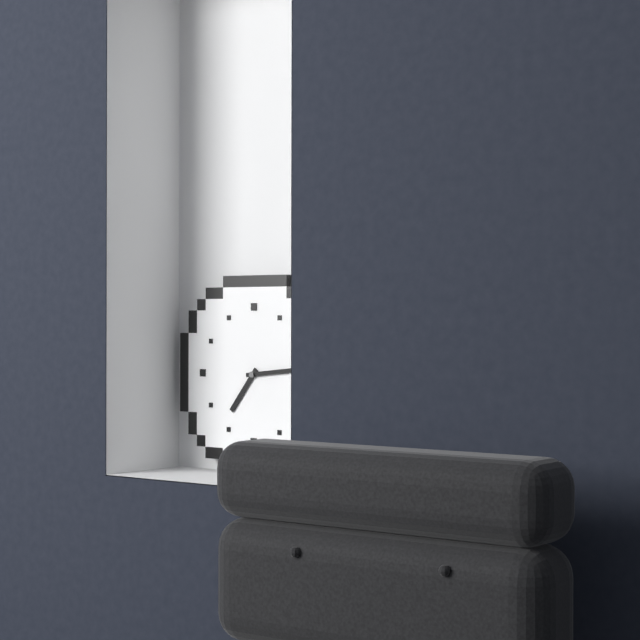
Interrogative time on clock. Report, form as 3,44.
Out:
7,14
